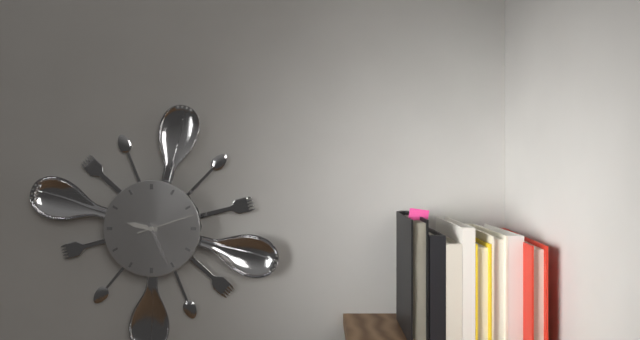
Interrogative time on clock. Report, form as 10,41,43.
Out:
9,26,12
